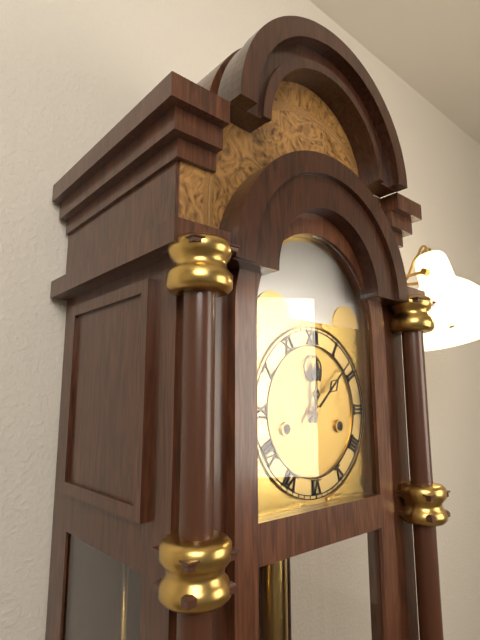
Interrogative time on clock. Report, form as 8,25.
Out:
12,08
